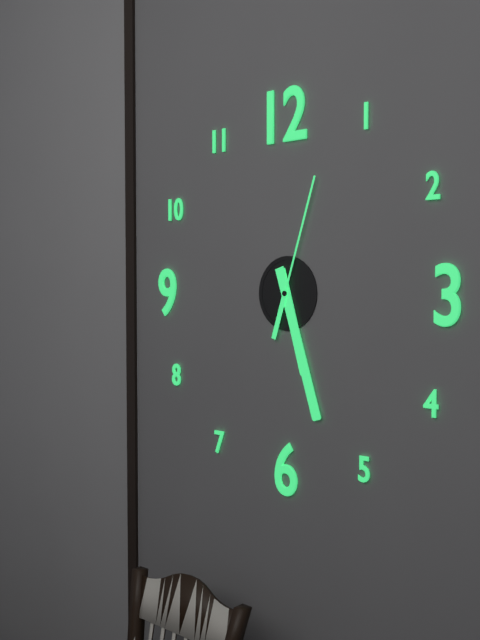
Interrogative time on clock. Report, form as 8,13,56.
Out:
5,27,03
